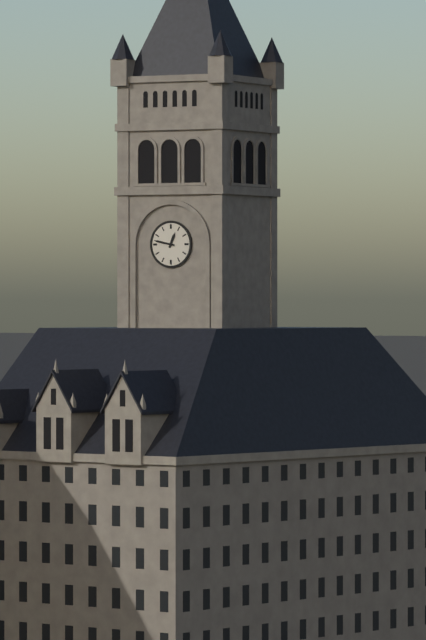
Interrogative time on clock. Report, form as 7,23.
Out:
12,47
